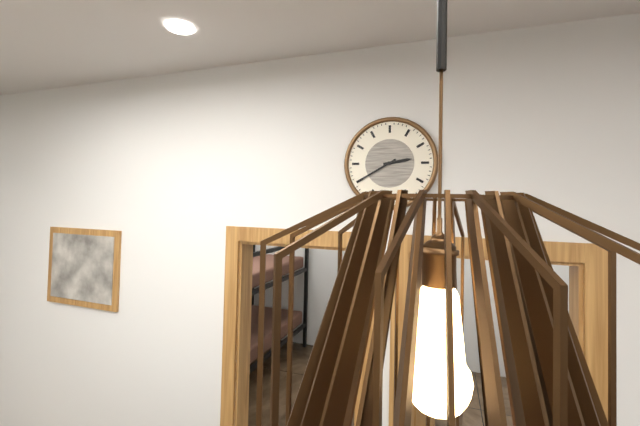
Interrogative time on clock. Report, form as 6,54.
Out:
2,40
